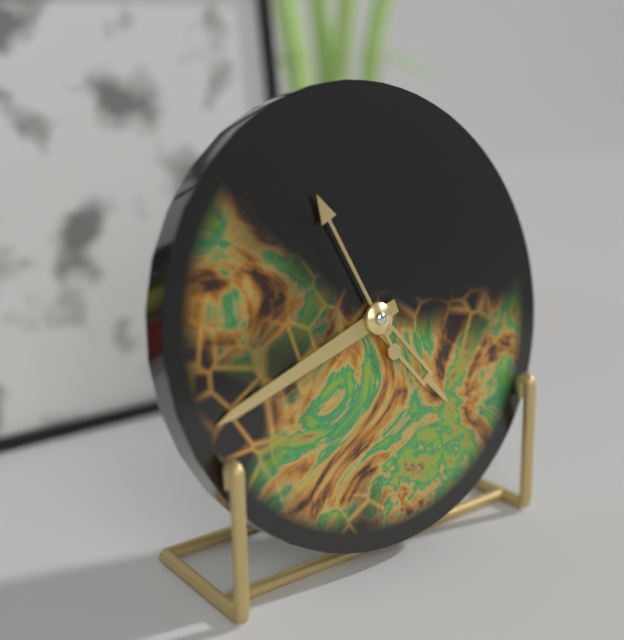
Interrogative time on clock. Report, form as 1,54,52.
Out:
4,42,56
